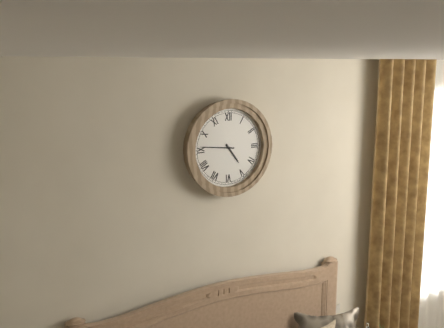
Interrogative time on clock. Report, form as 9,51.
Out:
4,46
